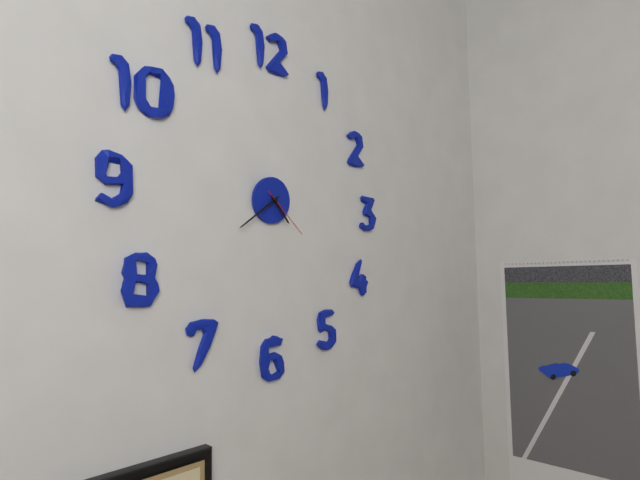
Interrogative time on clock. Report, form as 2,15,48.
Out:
4,39,22
